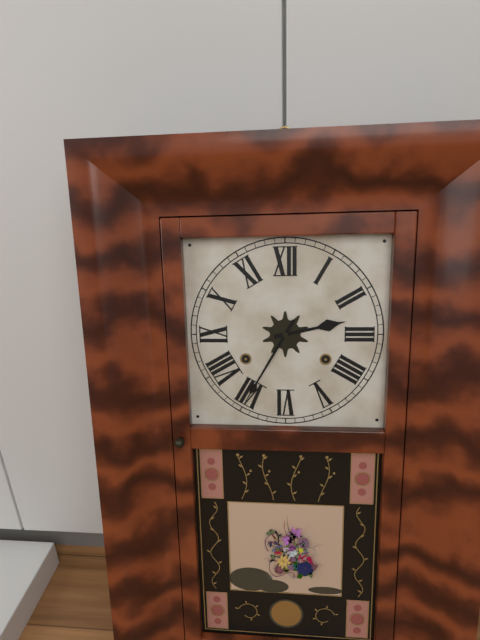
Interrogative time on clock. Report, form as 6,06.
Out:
2,35
